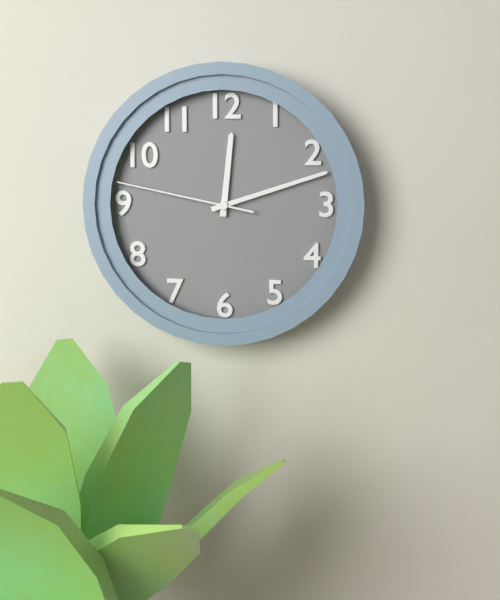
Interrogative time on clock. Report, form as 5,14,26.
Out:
12,12,47
